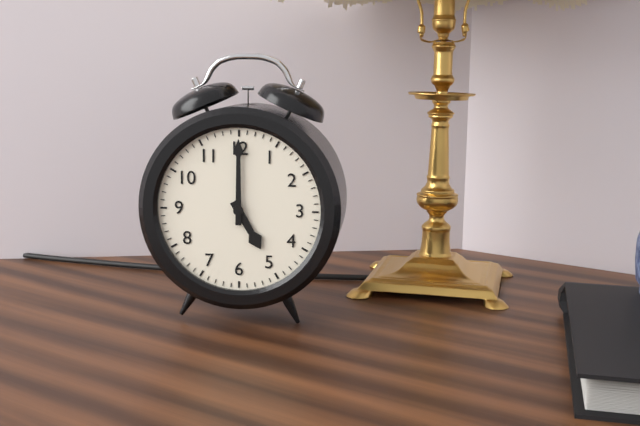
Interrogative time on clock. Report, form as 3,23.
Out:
5,00
